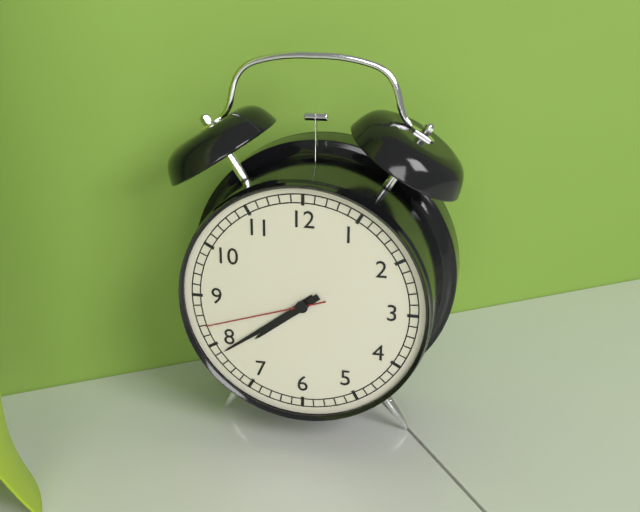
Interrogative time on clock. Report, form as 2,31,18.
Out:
7,39,42
